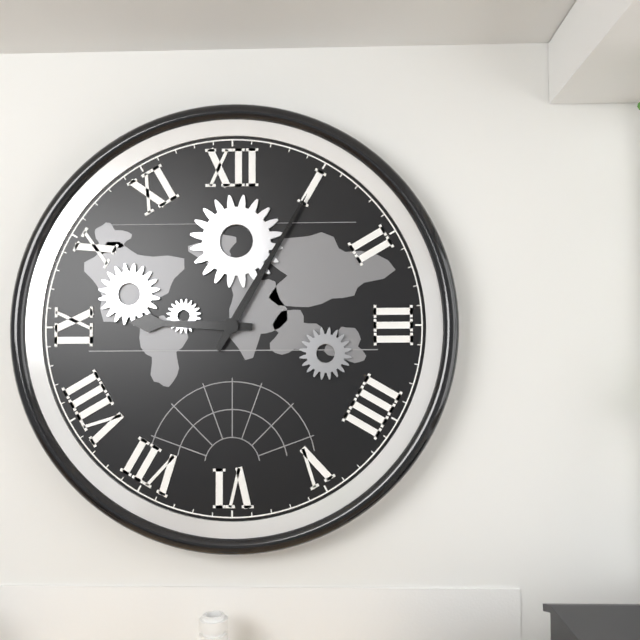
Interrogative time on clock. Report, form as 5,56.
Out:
9,05
